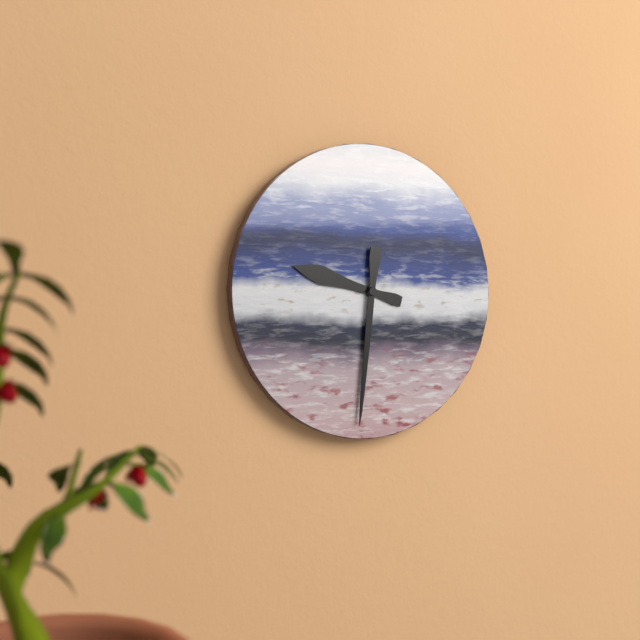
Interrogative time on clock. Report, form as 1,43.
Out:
9,31
